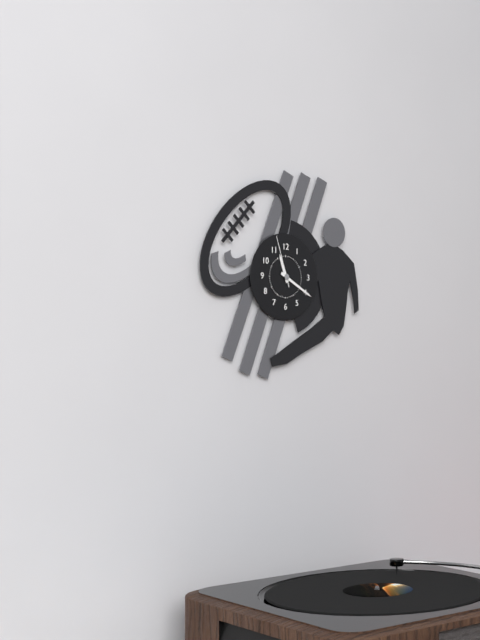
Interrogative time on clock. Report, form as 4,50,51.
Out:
11,20,57
